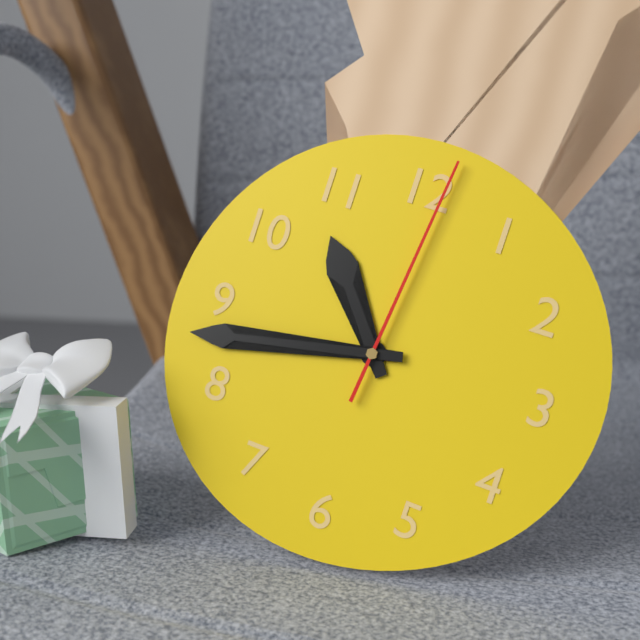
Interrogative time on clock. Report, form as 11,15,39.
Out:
10,43,01
